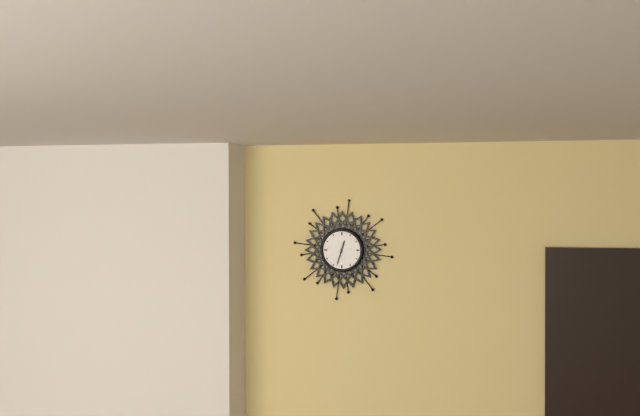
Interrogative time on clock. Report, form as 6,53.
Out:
12,33
